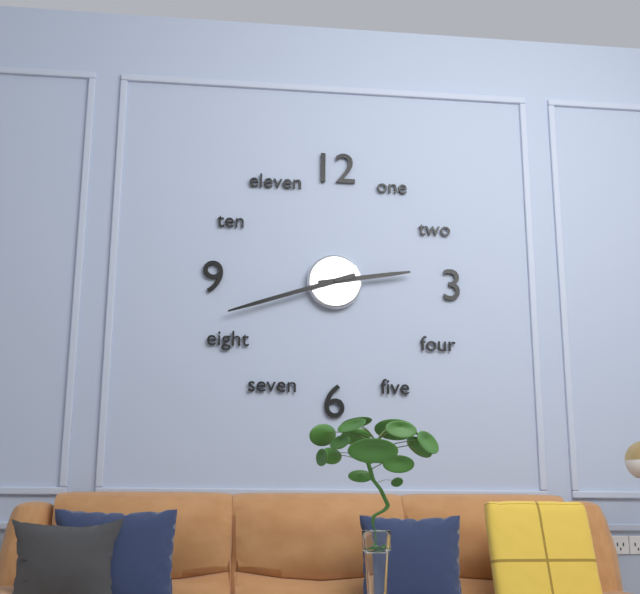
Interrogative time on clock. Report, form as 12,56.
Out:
2,42
